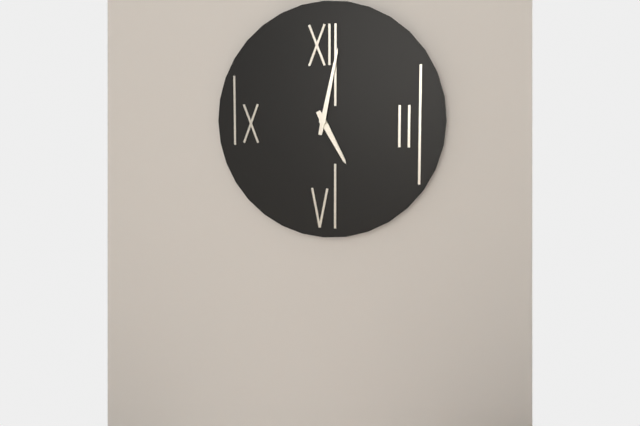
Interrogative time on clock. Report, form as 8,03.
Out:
5,02
